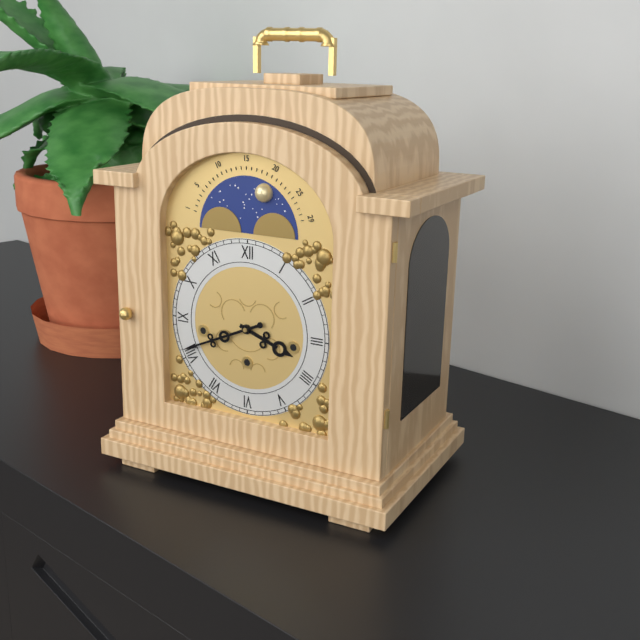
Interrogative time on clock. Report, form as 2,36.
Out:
3,41
